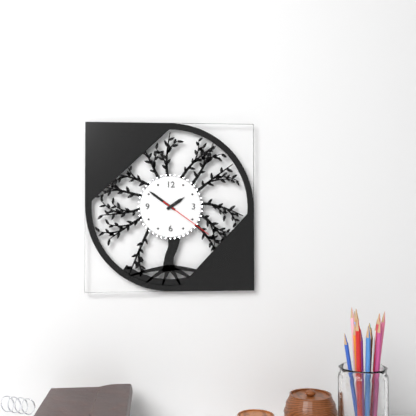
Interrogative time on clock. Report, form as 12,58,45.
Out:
1,51,21
